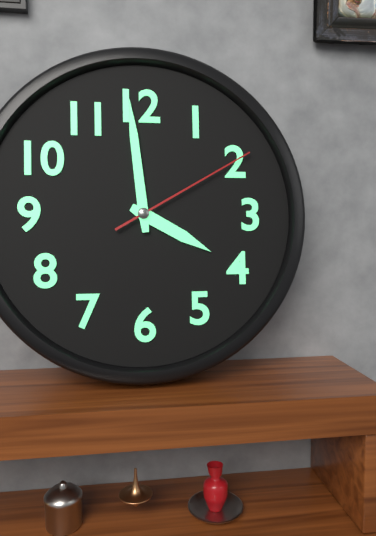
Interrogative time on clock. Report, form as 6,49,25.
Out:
3,59,10
